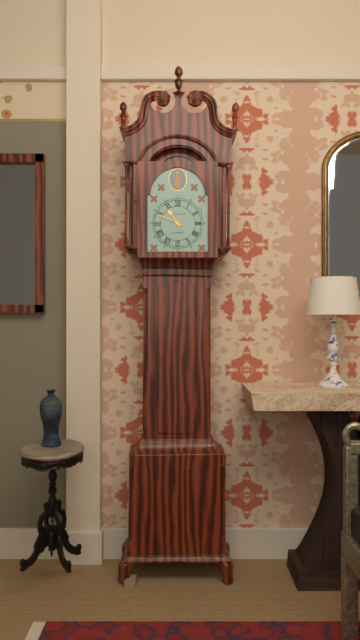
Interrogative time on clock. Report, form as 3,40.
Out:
10,49
